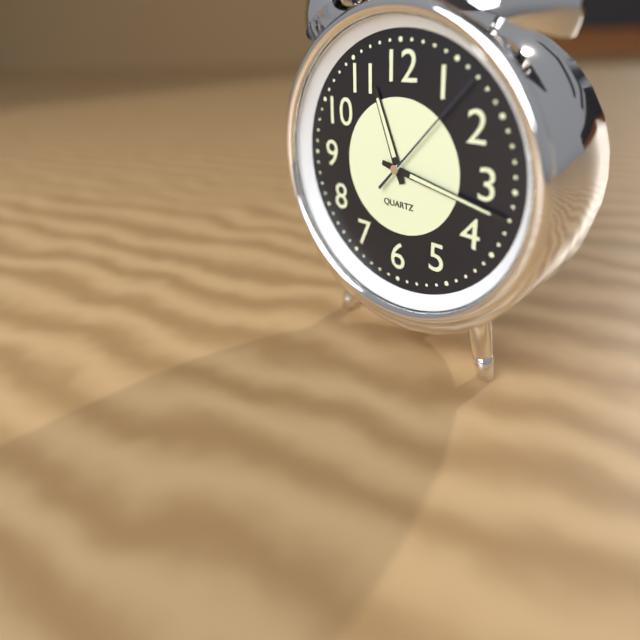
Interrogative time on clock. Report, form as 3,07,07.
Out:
11,17,07
